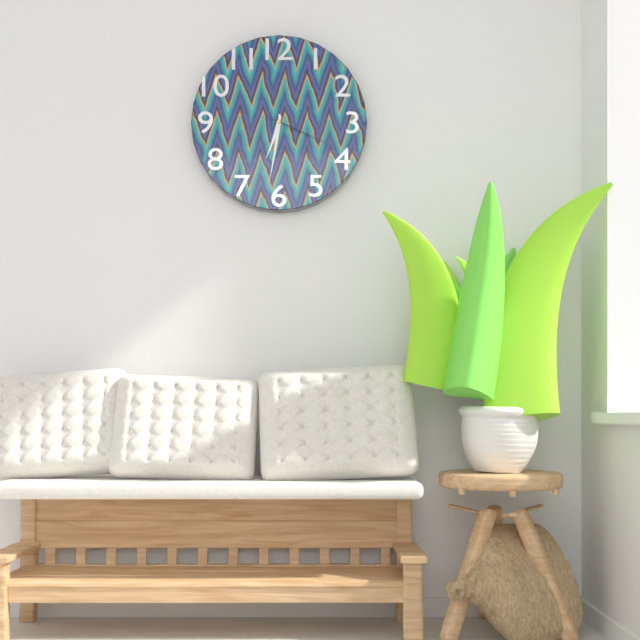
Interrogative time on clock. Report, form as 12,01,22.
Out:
6,31,19
